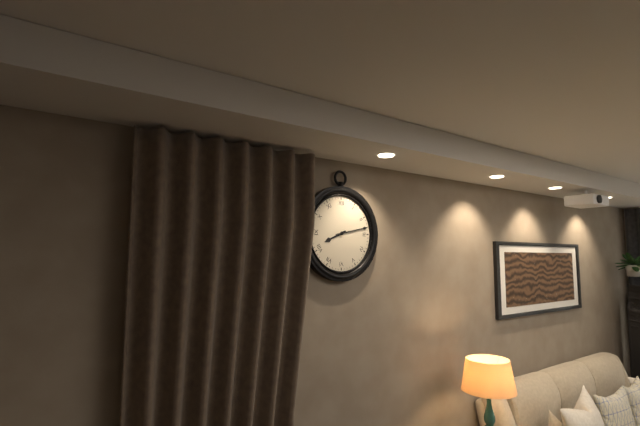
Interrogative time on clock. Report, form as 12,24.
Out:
8,13
